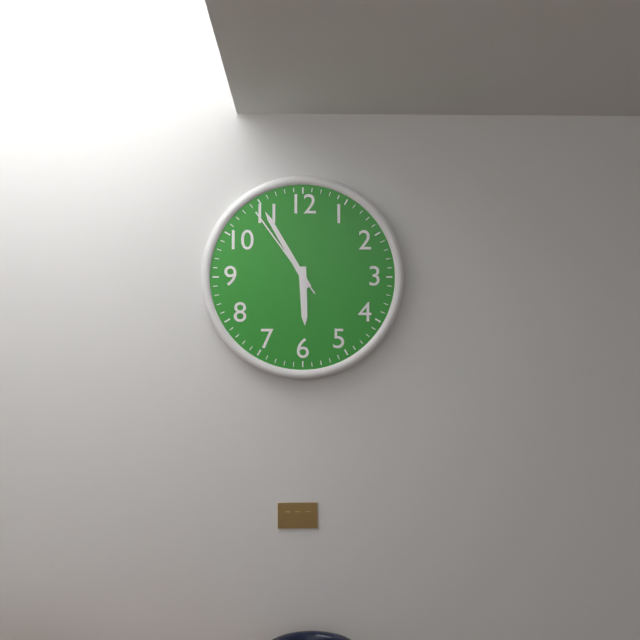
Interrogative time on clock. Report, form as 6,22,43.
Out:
5,55,54
